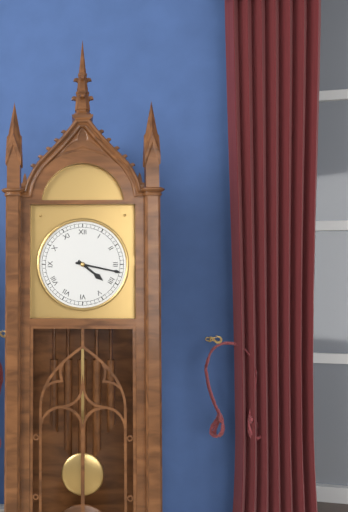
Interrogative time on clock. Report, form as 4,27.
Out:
4,17
